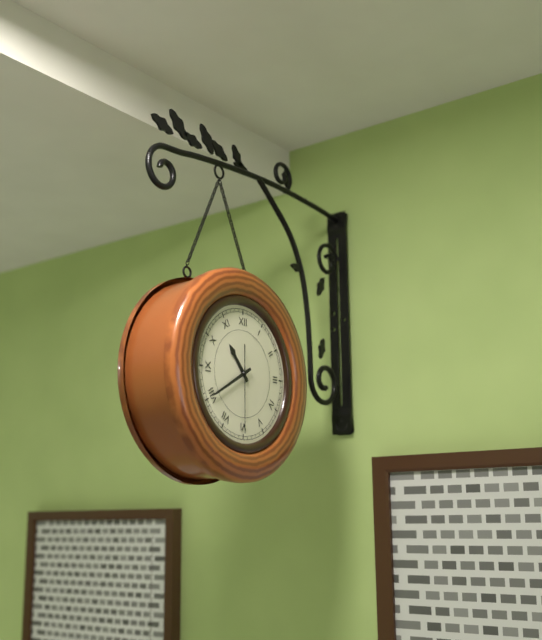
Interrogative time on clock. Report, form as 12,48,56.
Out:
10,40,30
